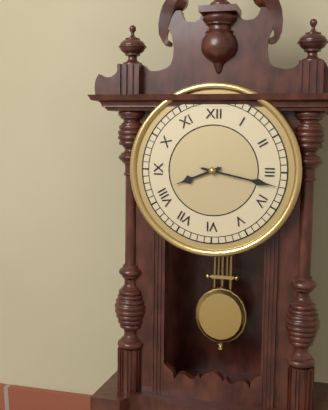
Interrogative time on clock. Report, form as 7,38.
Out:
8,17
